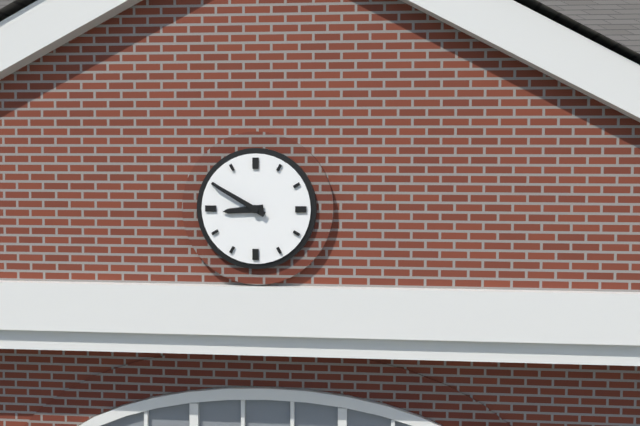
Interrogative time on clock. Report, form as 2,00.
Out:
8,50
